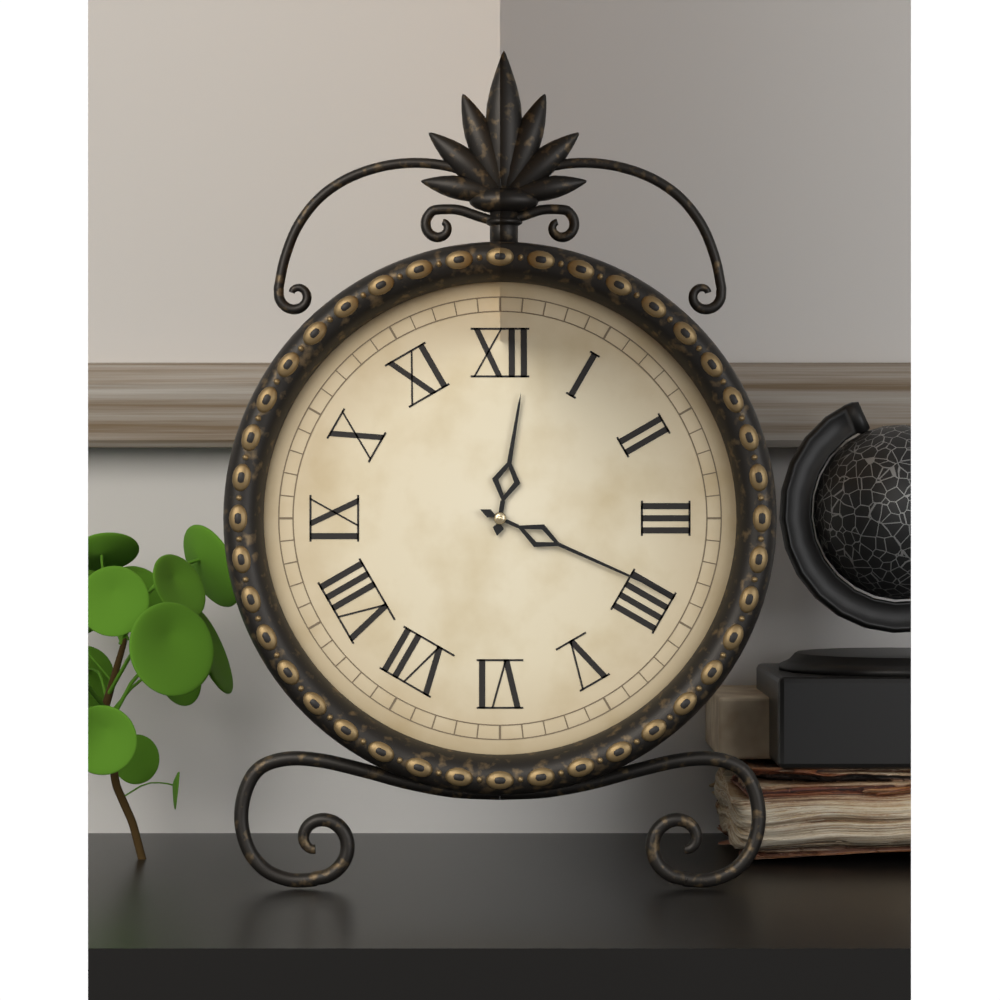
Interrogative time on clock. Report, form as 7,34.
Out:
12,19
